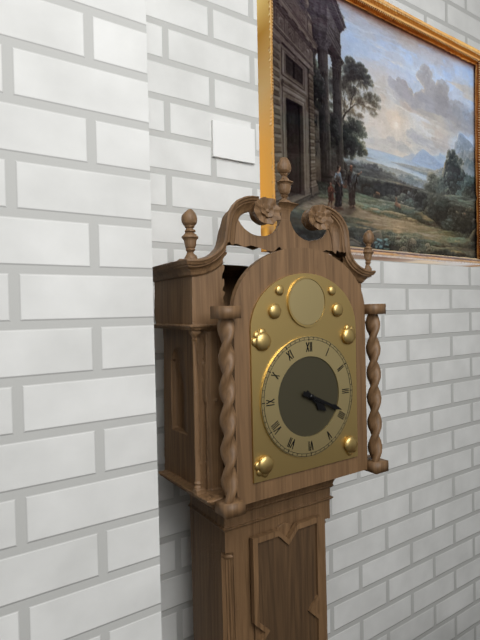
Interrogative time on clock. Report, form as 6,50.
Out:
4,19
